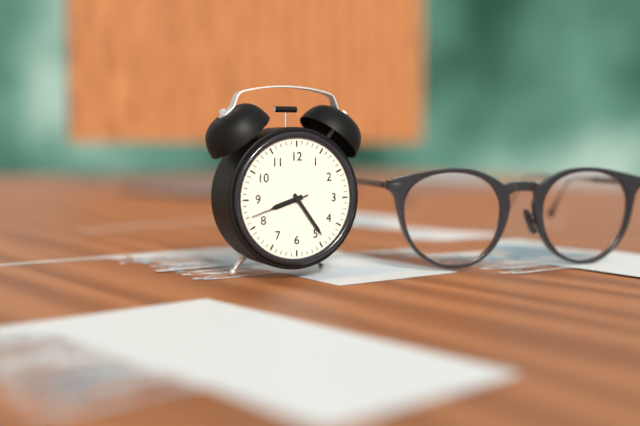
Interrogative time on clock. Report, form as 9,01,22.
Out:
8,24,42
